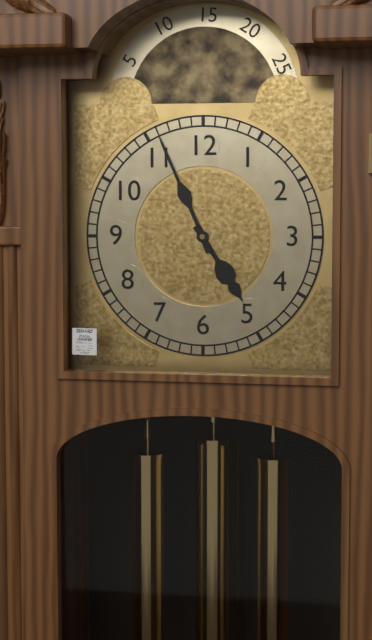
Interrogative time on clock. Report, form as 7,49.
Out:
4,56
